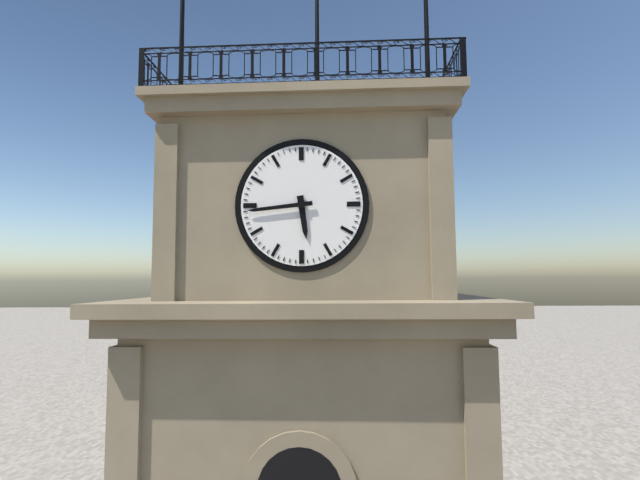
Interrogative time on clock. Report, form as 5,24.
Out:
5,44
